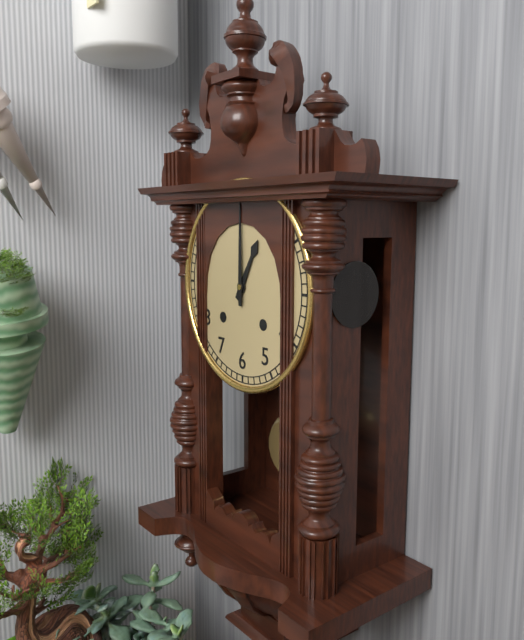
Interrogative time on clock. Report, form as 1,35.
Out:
1,00
